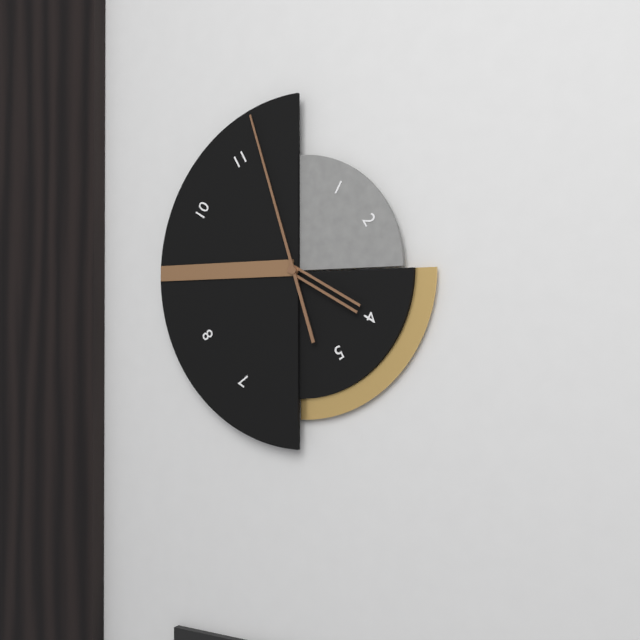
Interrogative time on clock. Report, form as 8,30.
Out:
3,57
